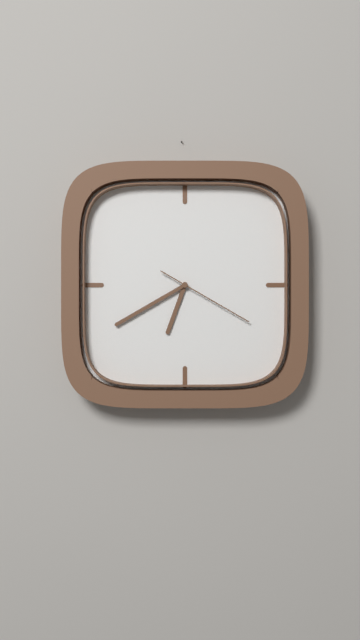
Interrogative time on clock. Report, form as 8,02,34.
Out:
6,40,20
